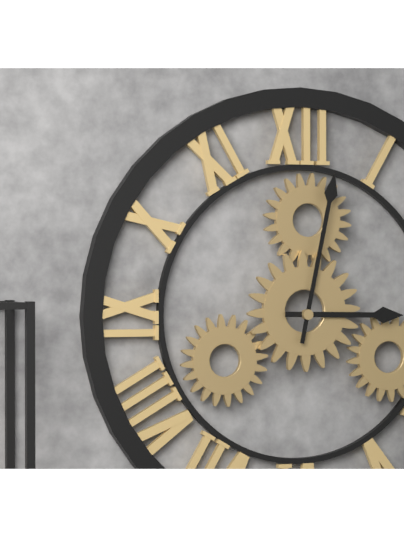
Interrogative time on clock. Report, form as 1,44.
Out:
3,02
